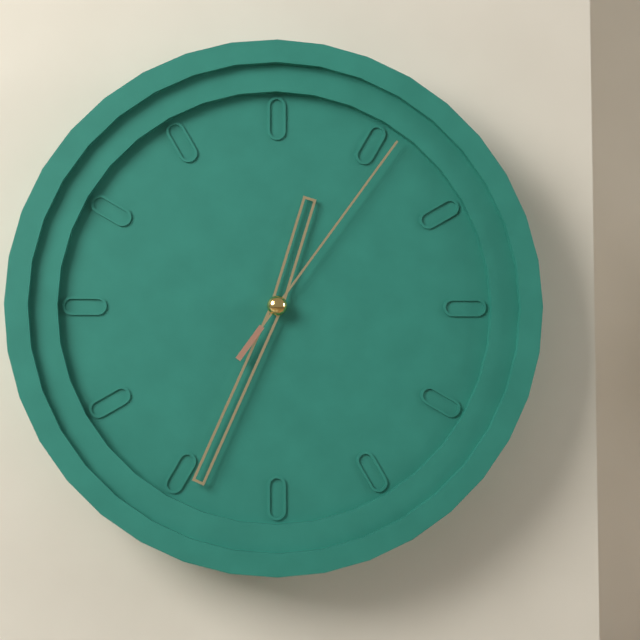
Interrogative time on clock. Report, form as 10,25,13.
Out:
12,34,06
